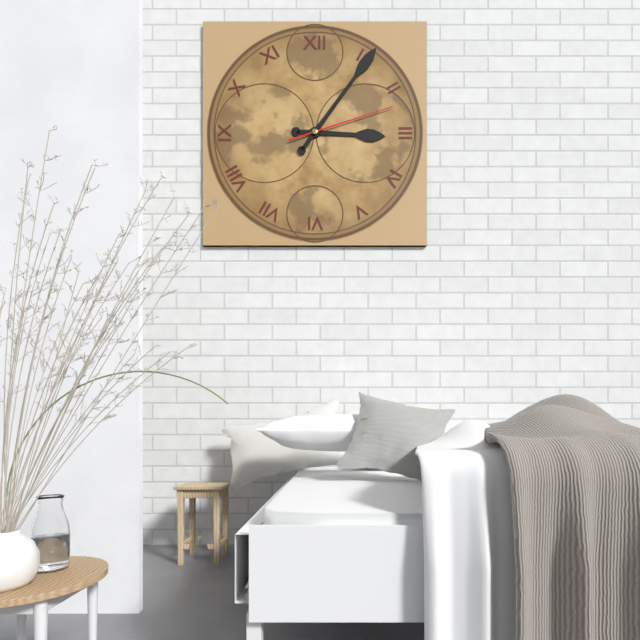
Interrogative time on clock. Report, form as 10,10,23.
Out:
3,06,12
